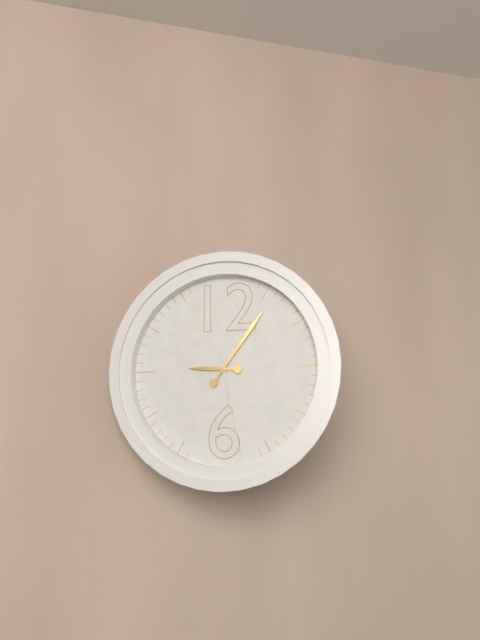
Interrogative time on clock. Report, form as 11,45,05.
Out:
9,06,28
